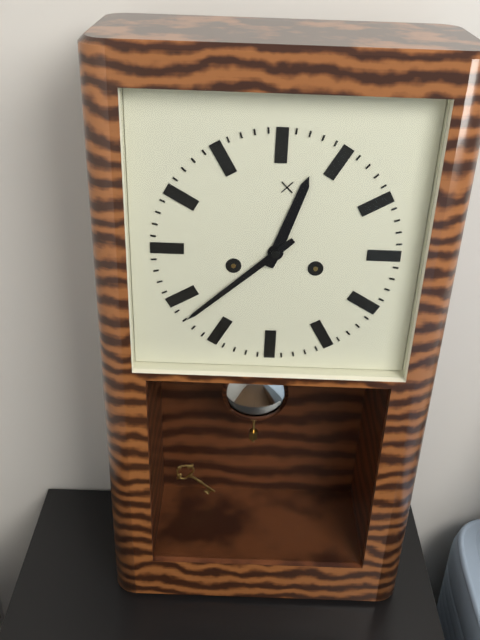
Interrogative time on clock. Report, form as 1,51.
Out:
12,38
